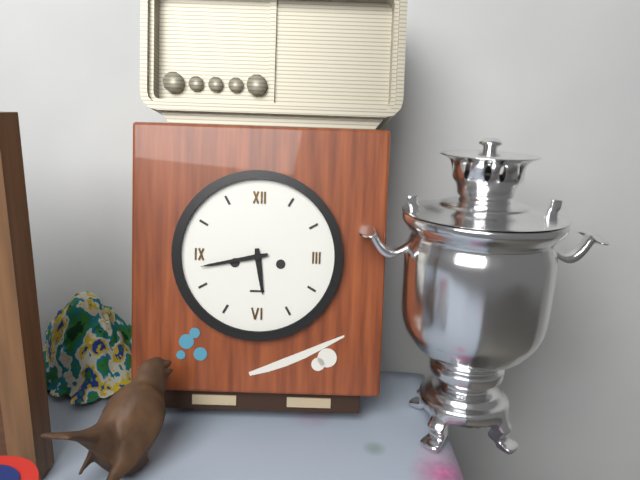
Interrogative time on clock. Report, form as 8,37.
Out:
5,43
